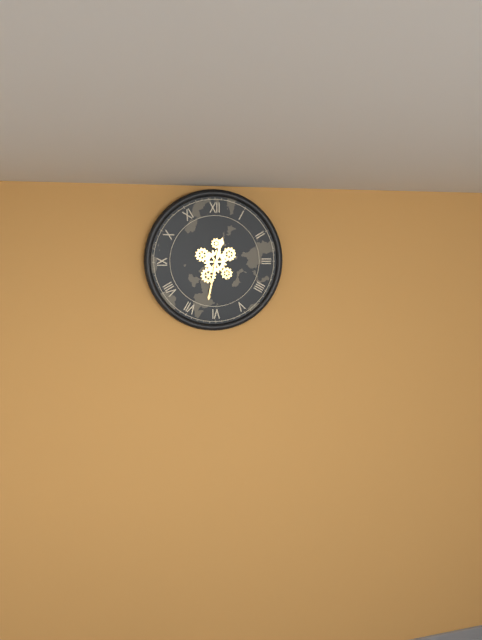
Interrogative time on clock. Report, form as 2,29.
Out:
12,32
